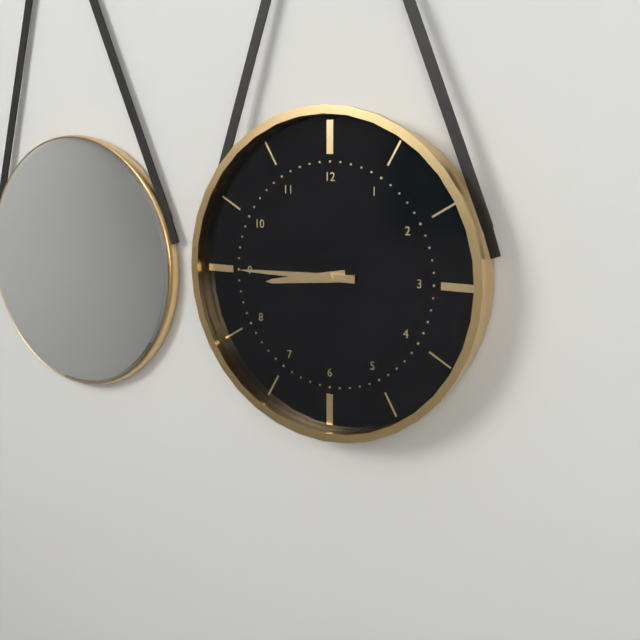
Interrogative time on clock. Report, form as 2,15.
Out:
8,45
